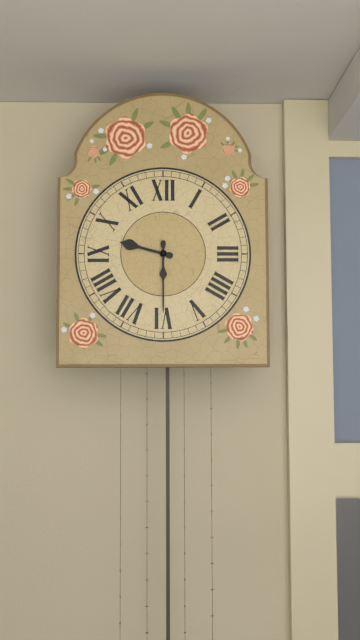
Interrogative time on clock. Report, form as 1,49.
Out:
9,30
